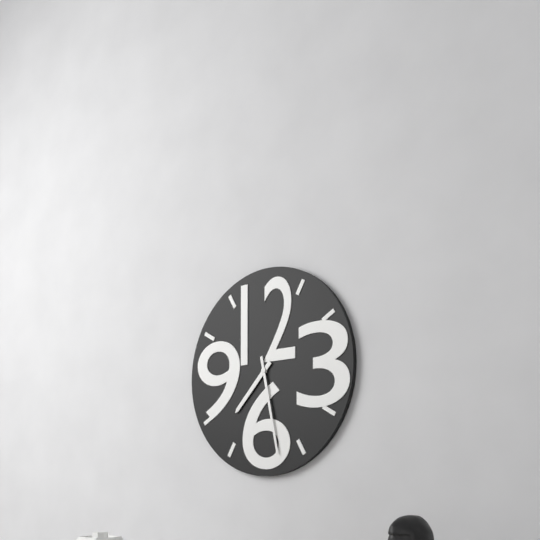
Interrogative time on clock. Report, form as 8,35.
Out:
7,28
